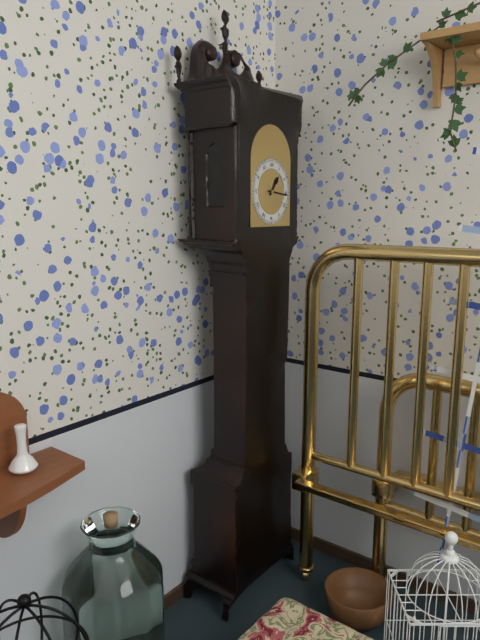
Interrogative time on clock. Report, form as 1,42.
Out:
1,16
